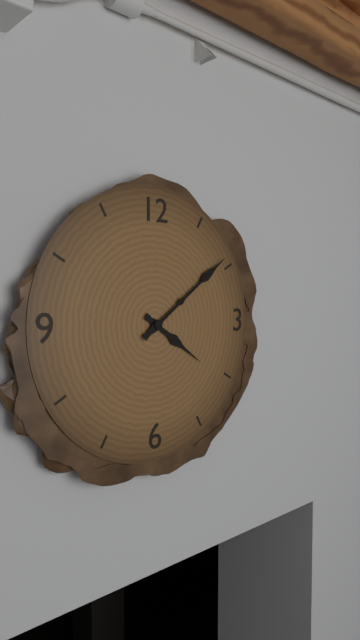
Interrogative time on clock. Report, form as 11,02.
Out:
4,09
